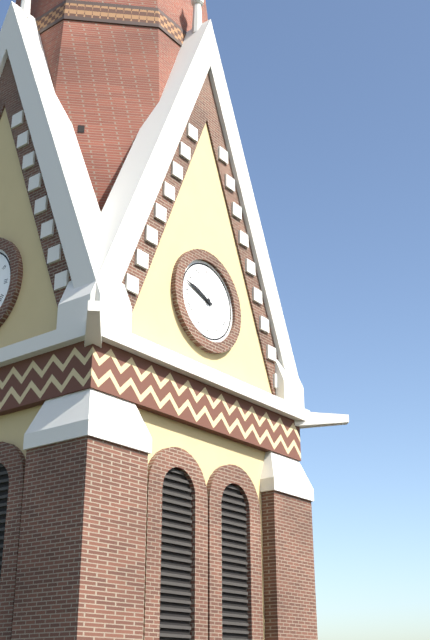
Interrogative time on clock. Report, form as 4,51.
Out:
9,48
